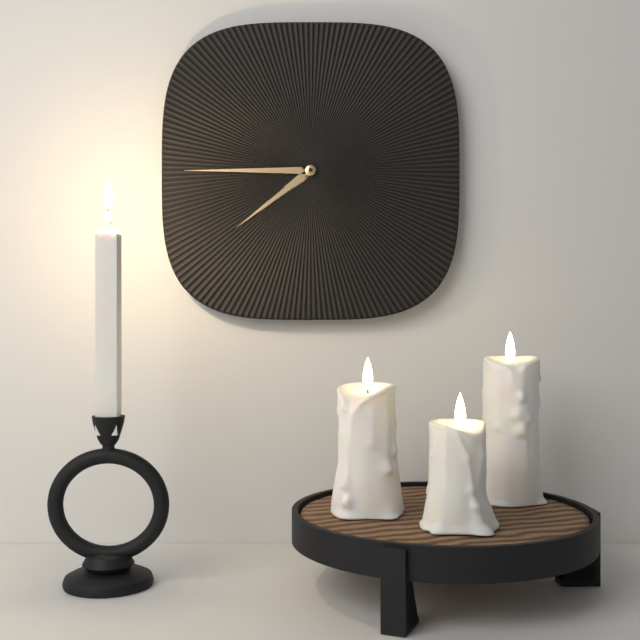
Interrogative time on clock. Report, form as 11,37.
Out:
7,45
